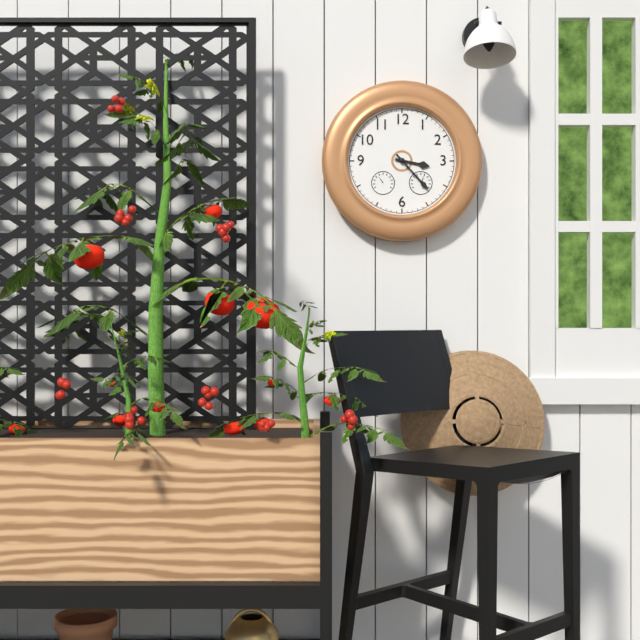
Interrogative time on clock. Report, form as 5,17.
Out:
3,23
